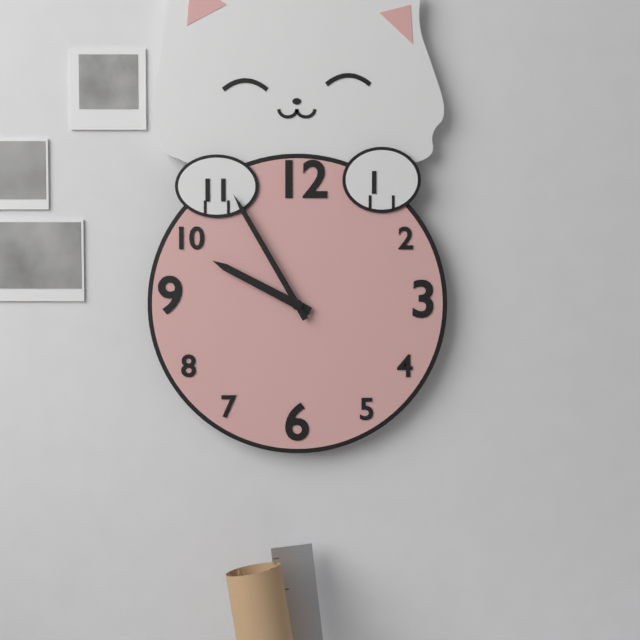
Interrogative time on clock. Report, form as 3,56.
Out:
9,55
